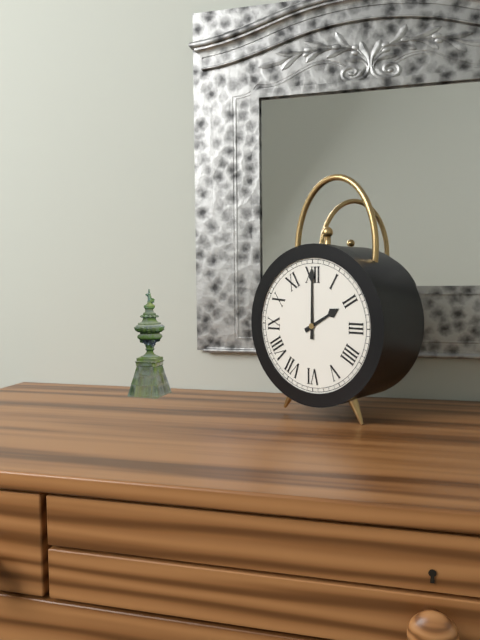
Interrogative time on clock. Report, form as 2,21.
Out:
2,00
